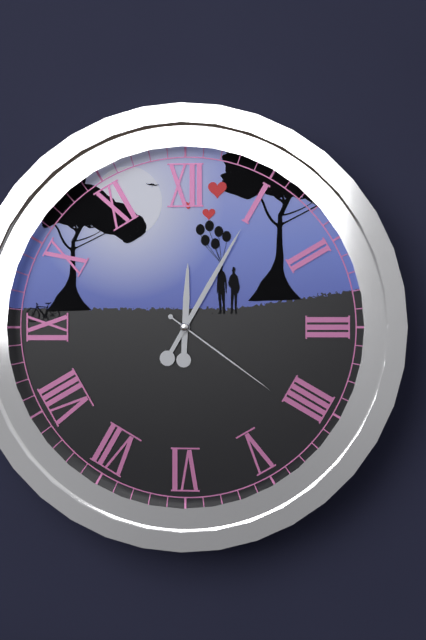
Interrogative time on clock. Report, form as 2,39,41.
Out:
12,05,21
